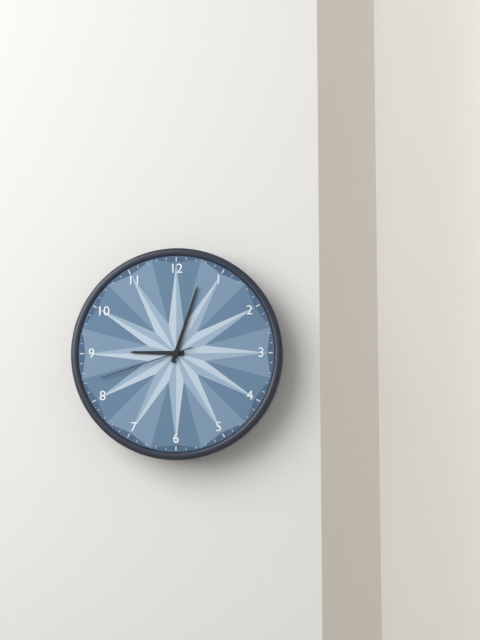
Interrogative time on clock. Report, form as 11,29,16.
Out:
9,03,42
